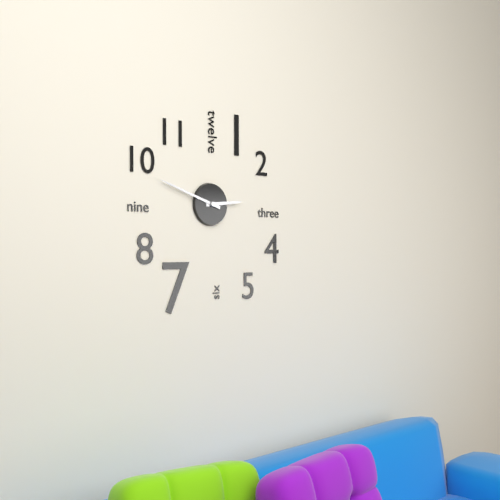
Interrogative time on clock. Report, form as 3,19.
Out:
2,48
